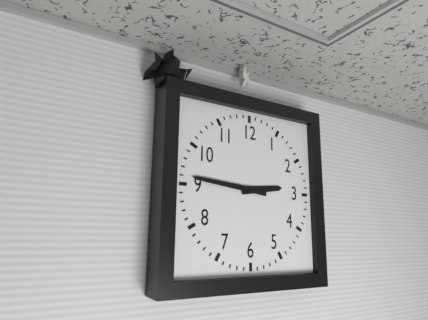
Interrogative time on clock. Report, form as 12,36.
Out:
2,46
